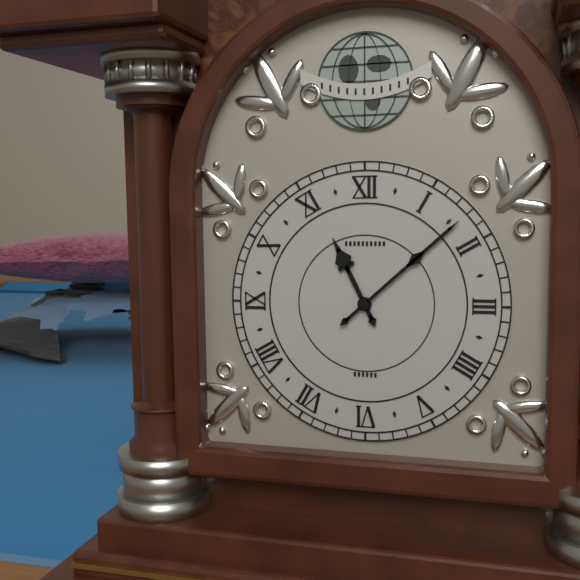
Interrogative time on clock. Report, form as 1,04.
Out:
11,08
